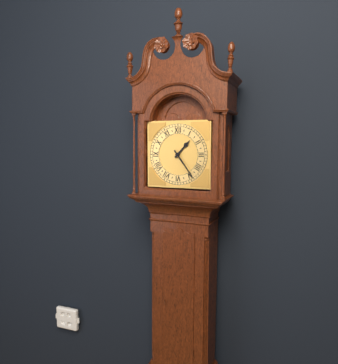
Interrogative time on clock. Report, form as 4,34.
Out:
1,24
